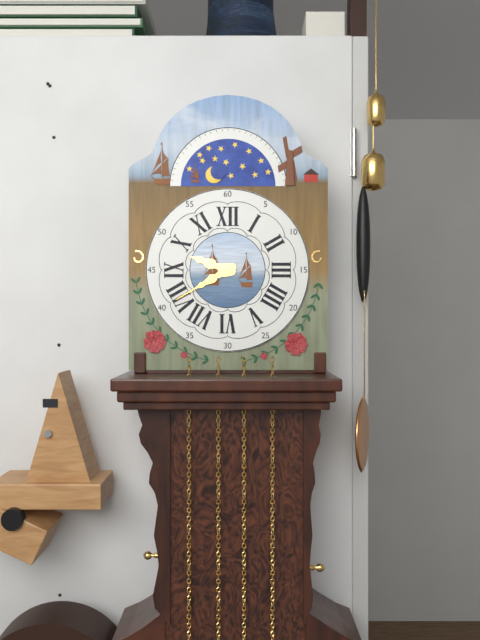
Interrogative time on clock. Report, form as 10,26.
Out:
9,40
